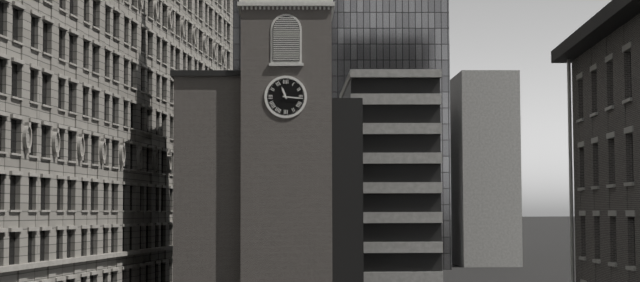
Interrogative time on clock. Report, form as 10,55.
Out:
11,16
